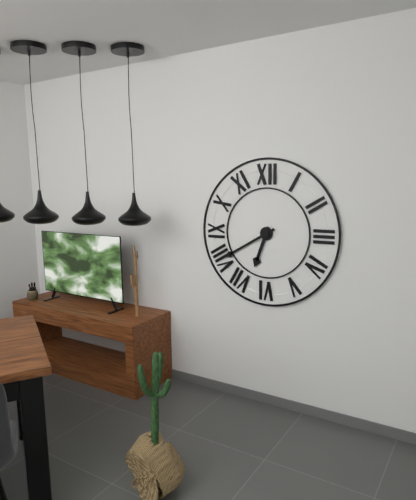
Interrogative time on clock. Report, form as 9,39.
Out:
6,40
